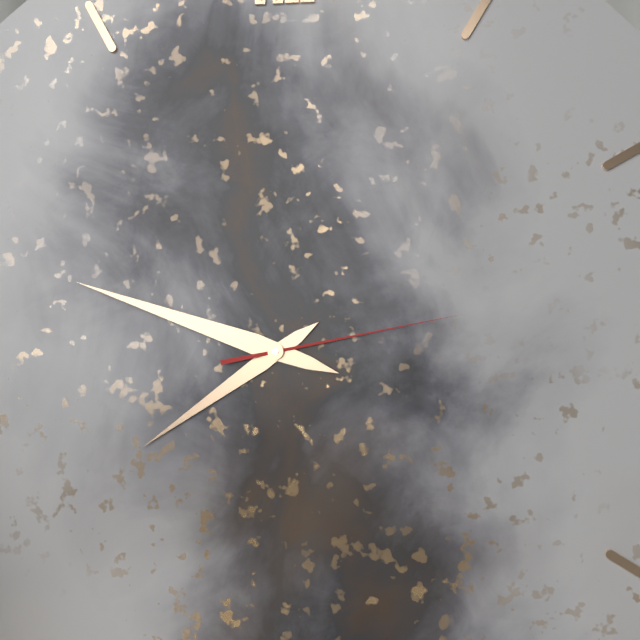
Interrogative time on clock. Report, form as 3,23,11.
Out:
7,48,13
